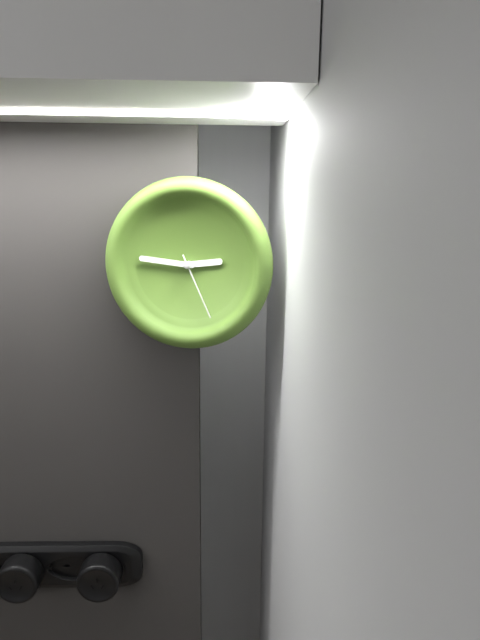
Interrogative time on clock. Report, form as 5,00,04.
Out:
2,46,26
